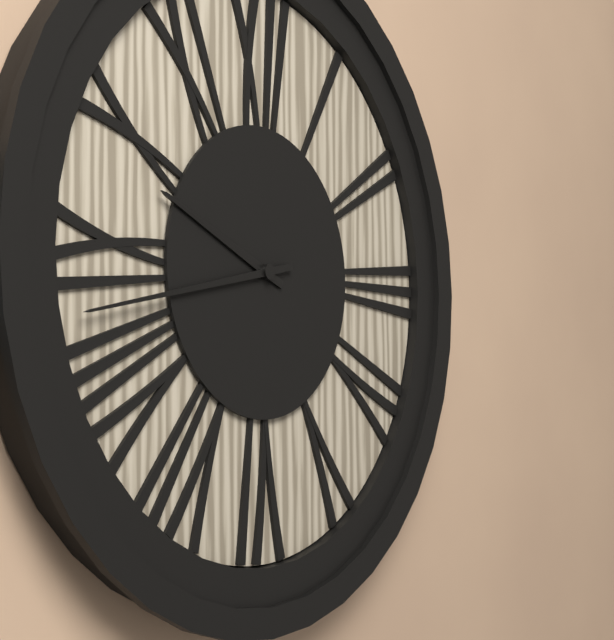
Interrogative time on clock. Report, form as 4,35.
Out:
9,43
